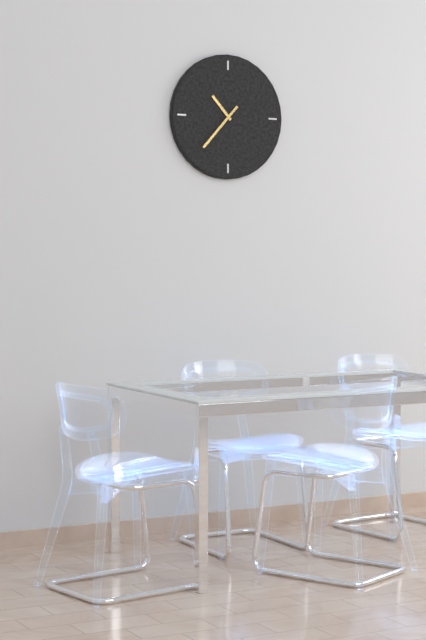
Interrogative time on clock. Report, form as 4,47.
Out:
10,37
